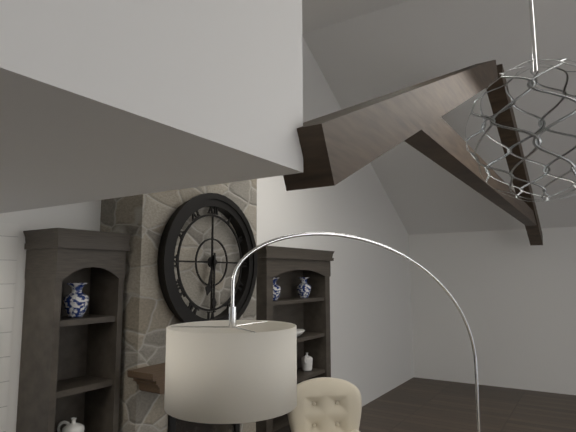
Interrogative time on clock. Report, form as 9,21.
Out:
6,30
